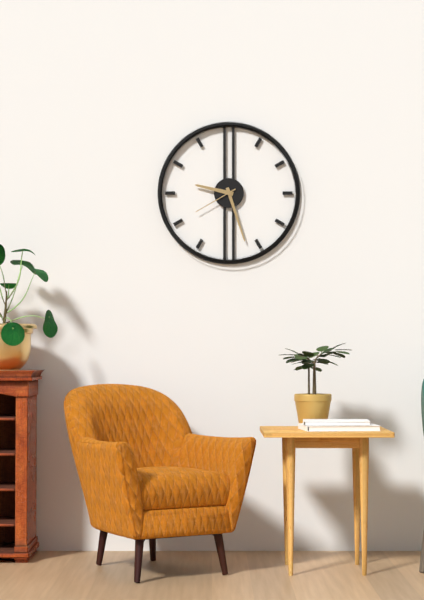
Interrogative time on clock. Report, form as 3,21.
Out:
9,27
